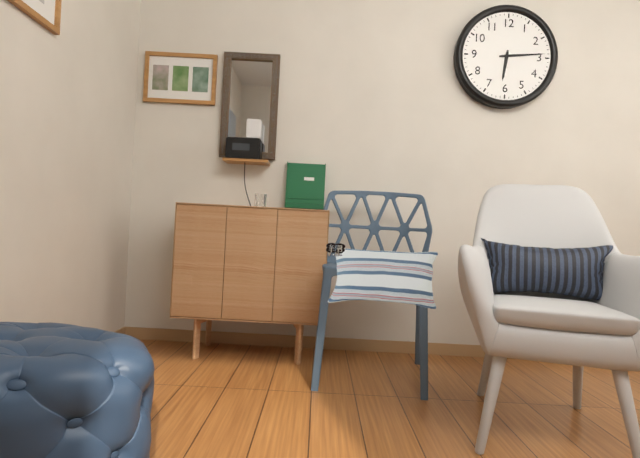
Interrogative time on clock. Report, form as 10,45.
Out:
6,14
